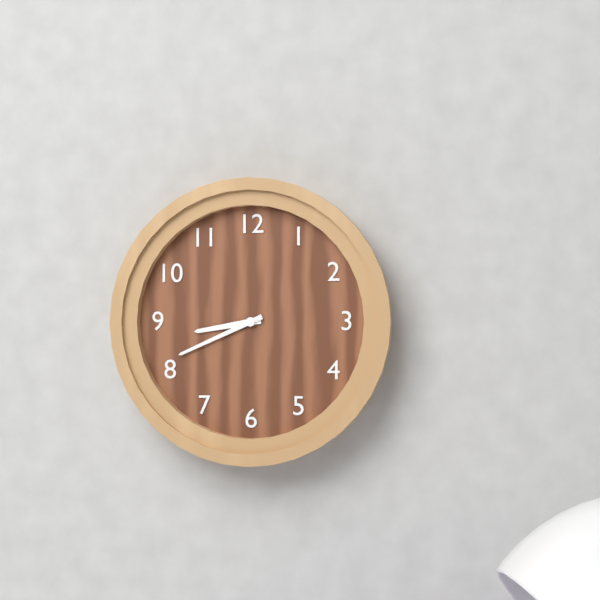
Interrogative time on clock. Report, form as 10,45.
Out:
8,41
